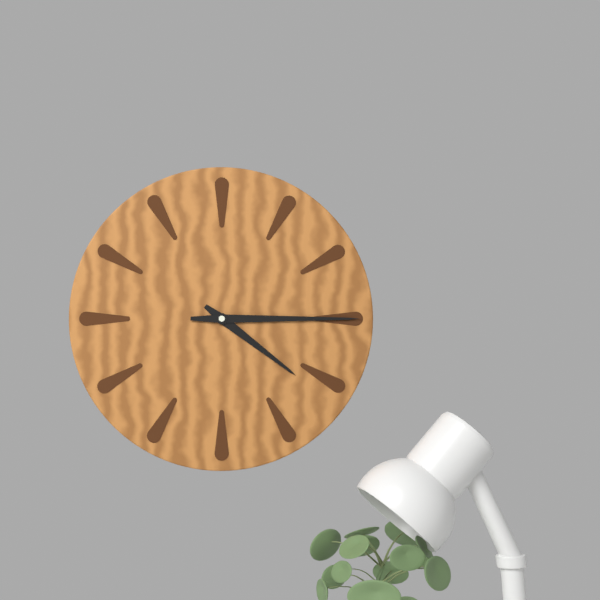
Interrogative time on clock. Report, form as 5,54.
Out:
4,15
